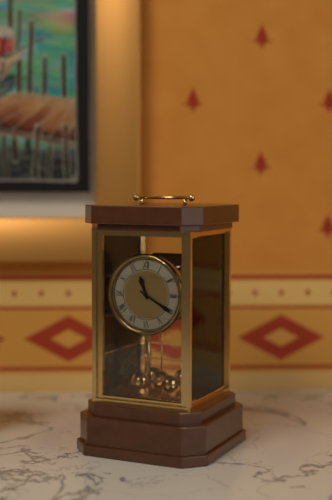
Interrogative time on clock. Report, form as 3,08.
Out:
11,20
